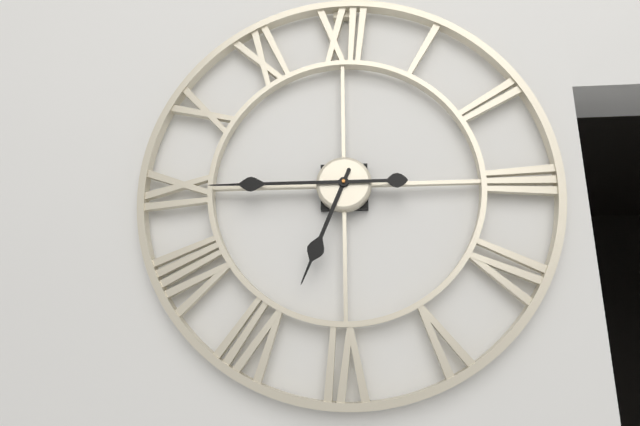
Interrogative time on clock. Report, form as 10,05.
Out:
6,45
